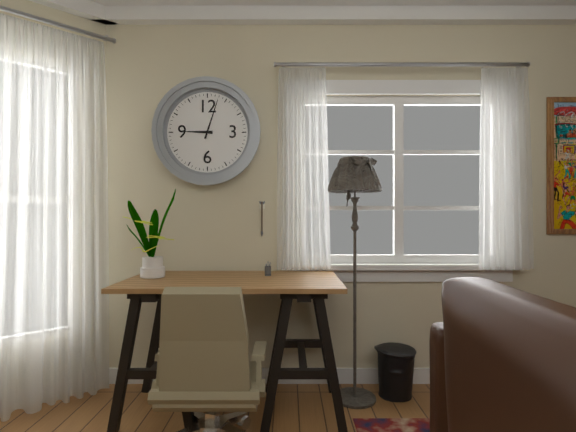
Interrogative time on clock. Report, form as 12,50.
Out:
9,03
